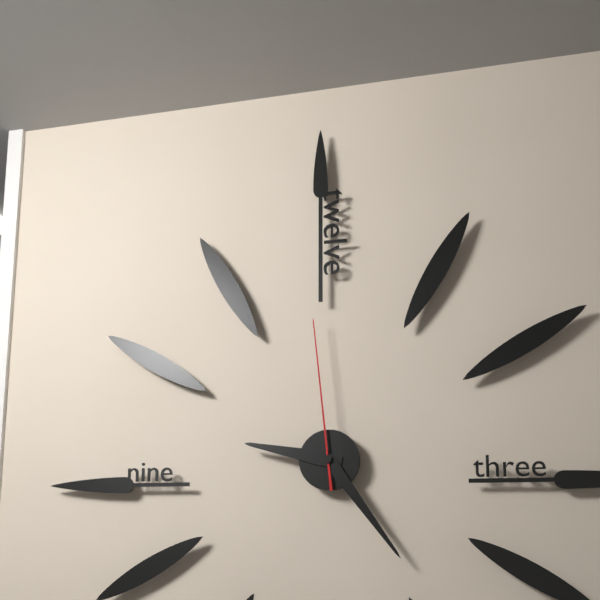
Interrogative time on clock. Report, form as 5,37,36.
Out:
9,24,59
